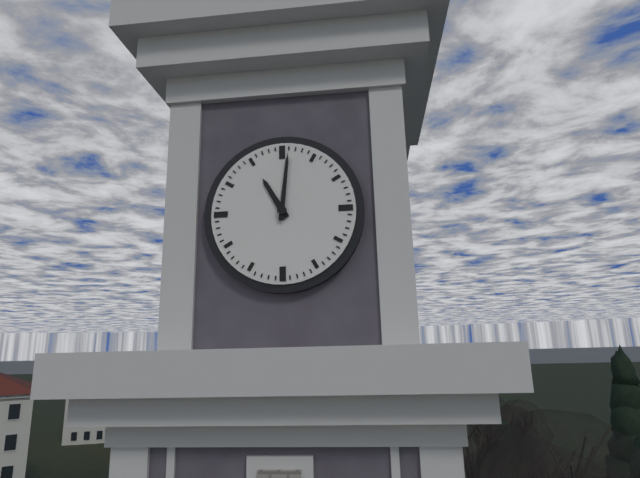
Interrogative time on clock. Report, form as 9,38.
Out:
11,01
